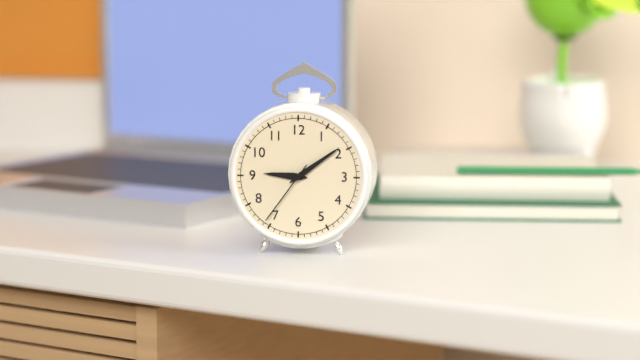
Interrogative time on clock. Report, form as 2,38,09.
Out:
9,09,36
